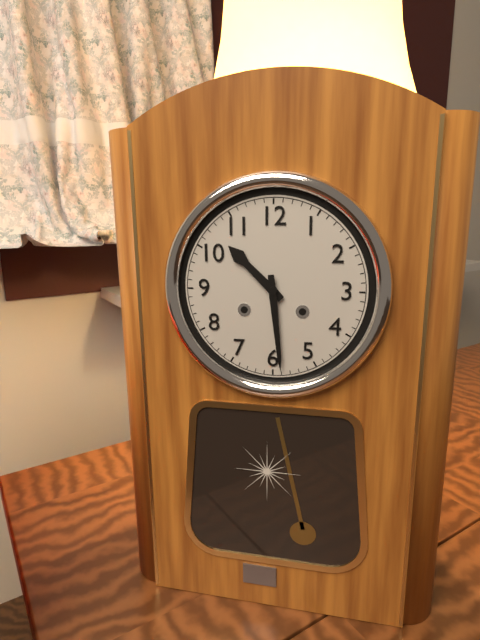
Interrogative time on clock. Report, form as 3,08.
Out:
10,29
